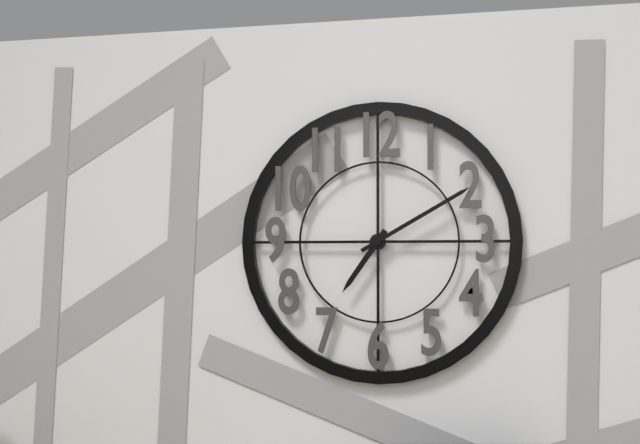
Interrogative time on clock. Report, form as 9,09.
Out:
7,10
